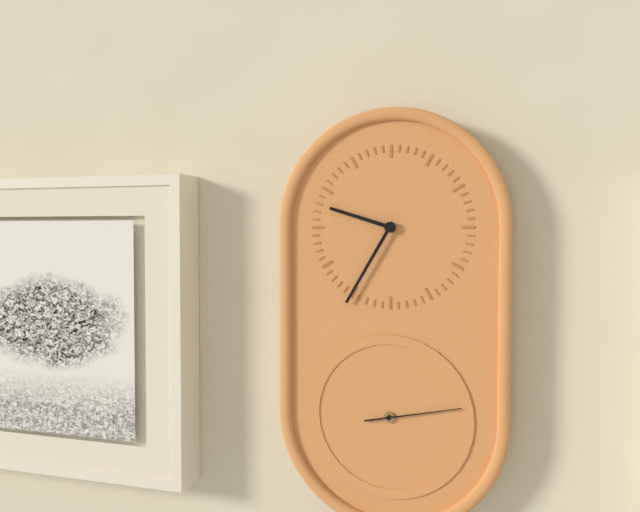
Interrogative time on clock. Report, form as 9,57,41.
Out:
9,35,13
